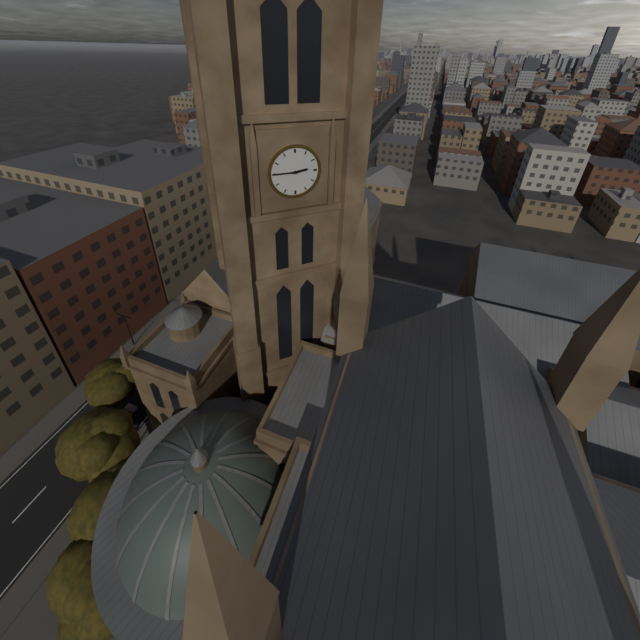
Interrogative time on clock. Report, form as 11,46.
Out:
2,45
